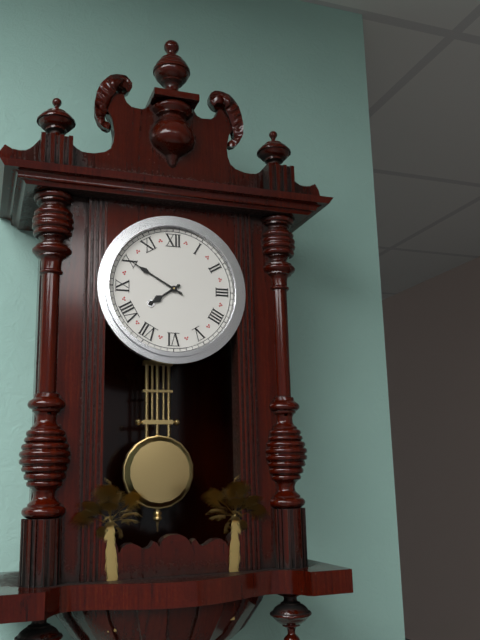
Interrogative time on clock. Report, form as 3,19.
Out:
7,50
